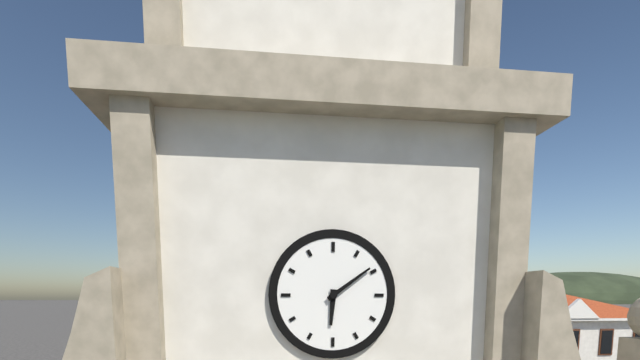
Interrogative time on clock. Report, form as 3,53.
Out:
6,09
